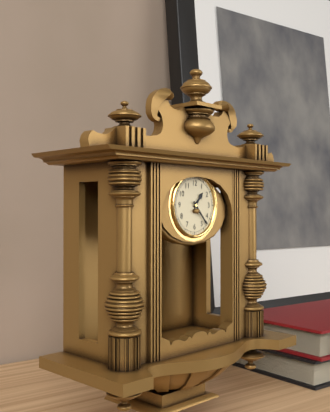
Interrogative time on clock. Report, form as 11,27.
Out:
1,23
